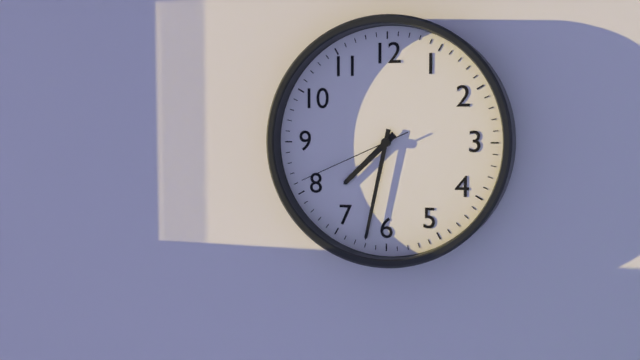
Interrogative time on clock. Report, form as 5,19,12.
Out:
7,32,41
